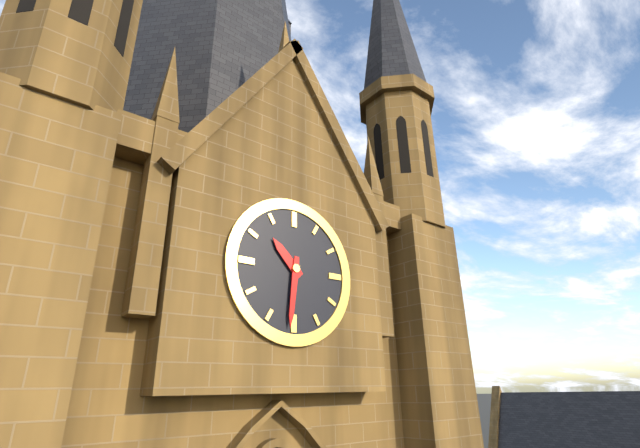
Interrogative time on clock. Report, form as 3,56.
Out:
10,31
